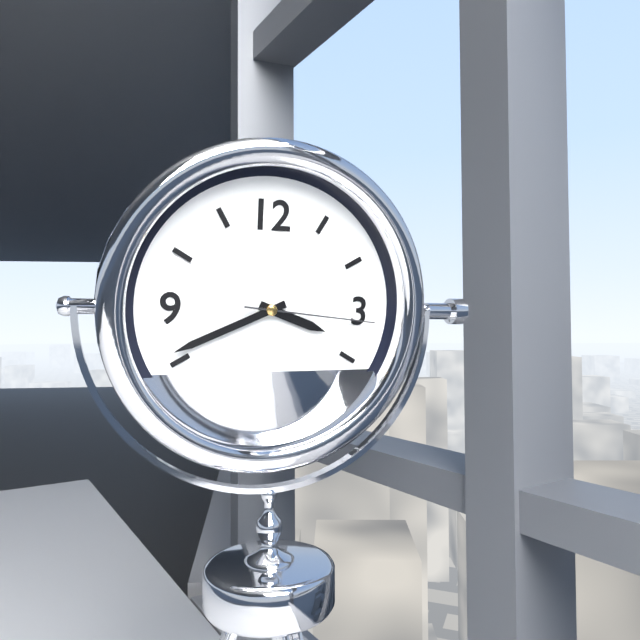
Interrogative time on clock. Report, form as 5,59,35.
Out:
3,41,16
